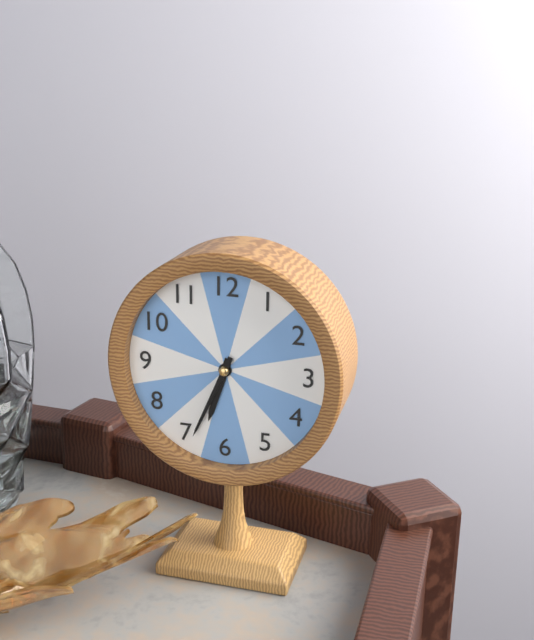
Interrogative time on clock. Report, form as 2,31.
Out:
6,34
